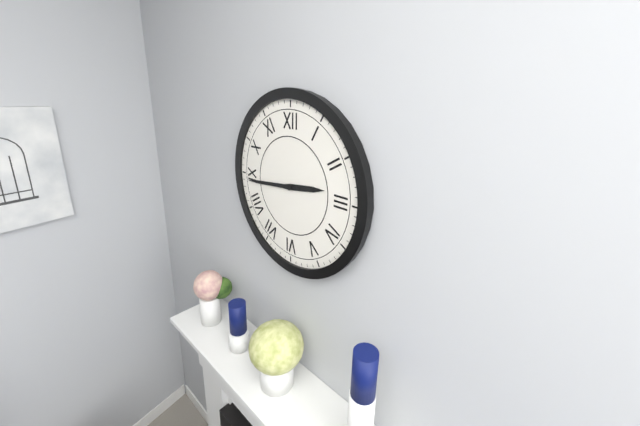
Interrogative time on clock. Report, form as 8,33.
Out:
2,44
